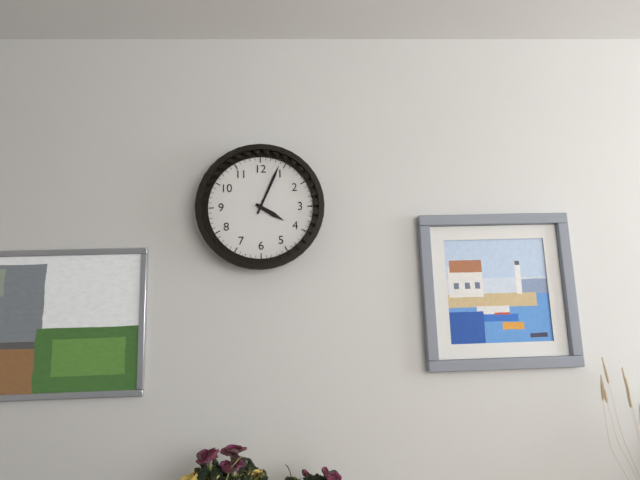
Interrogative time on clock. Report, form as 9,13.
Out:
4,04
